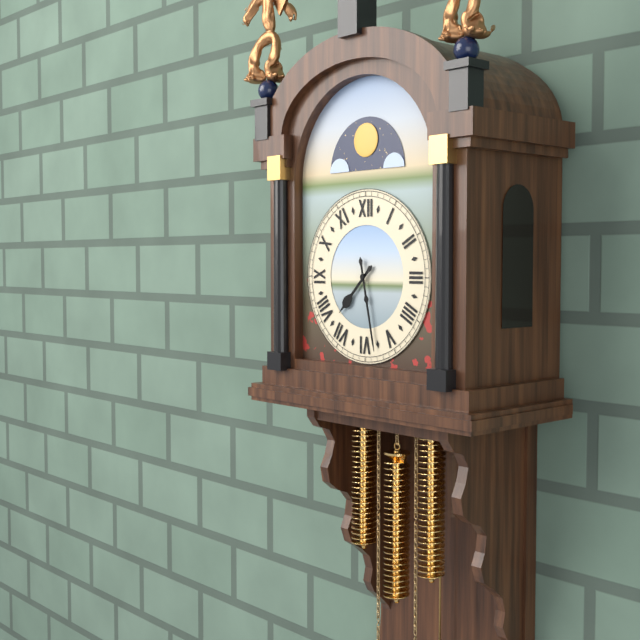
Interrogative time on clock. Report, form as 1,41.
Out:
7,28
